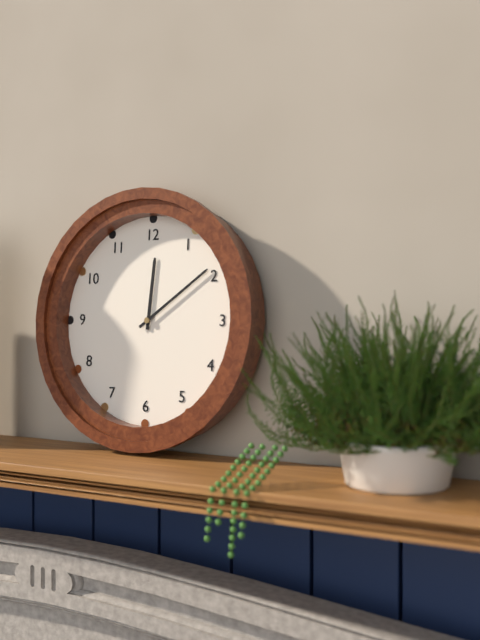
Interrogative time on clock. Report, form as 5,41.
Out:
12,09
